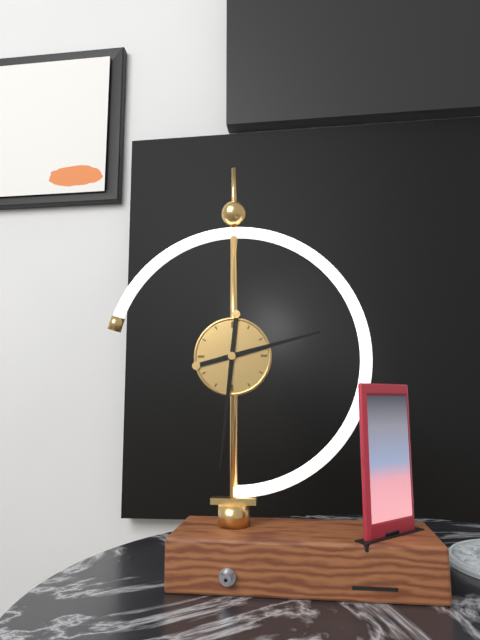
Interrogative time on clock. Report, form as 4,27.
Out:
2,31
